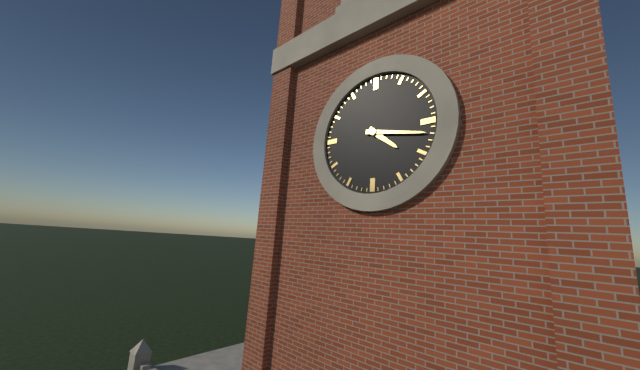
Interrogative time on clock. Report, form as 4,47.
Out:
4,17
